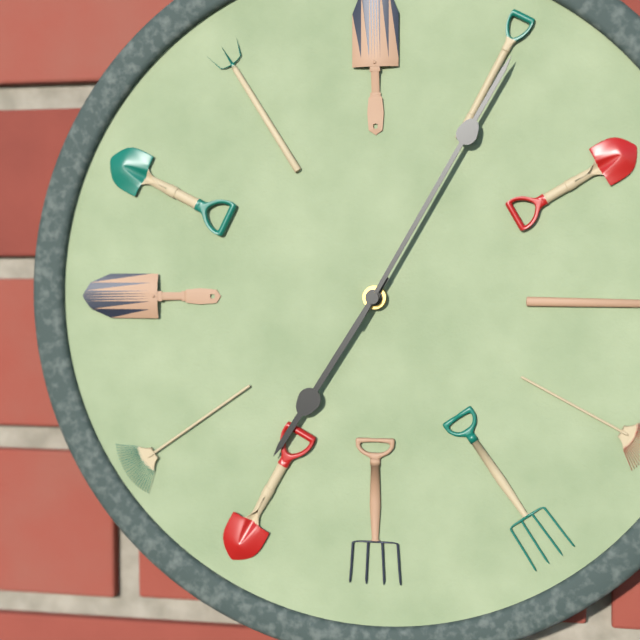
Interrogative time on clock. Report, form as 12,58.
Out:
7,05
